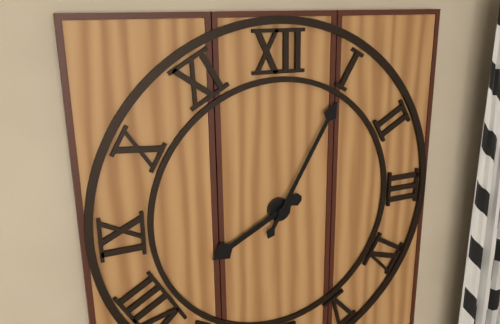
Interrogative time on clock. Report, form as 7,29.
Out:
8,05
